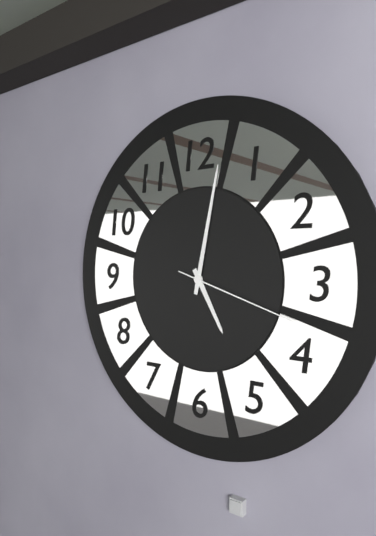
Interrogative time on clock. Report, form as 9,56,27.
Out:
5,02,18
